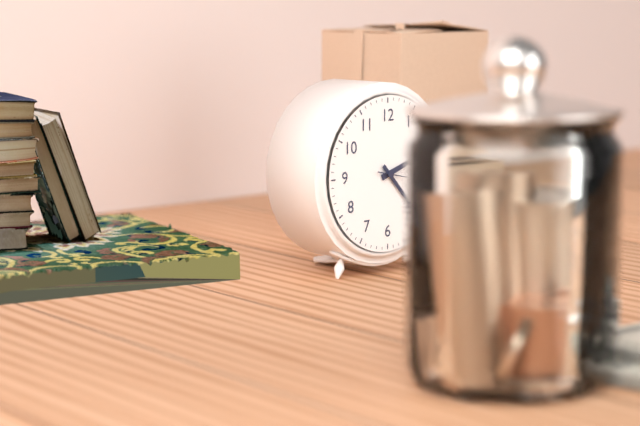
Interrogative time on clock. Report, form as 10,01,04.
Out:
2,23,17
